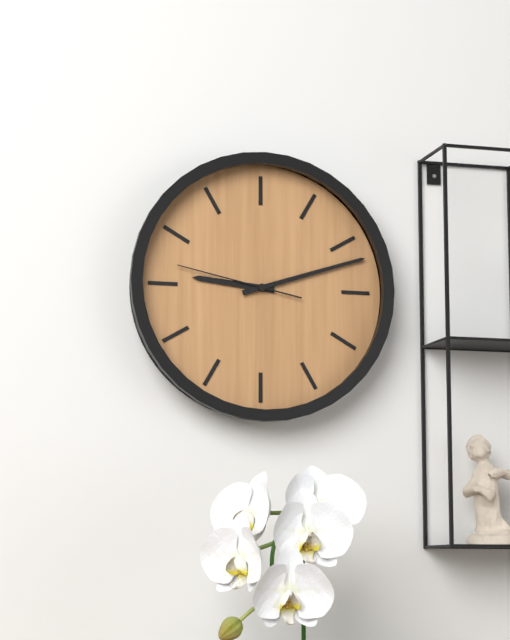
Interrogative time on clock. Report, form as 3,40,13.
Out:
9,12,47
